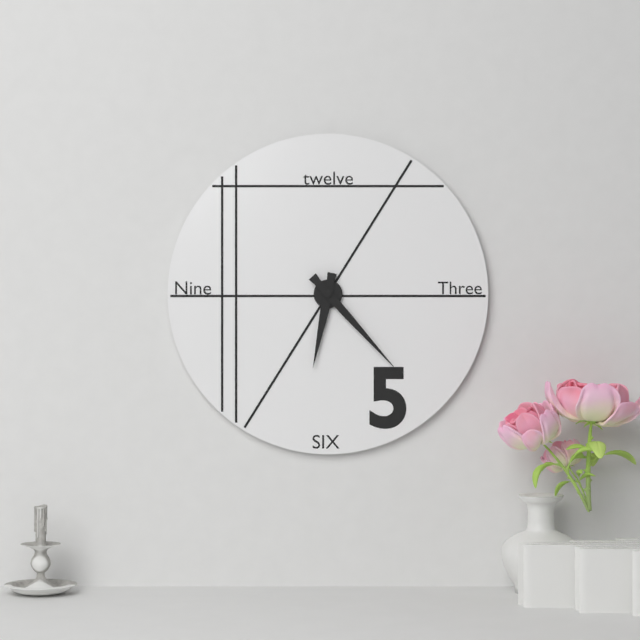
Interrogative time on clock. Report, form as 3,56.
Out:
6,23
